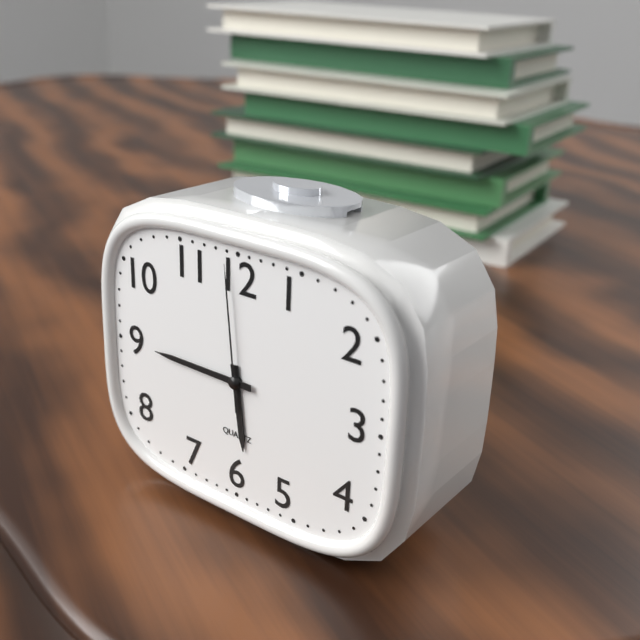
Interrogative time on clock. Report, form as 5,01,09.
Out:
5,45,59
